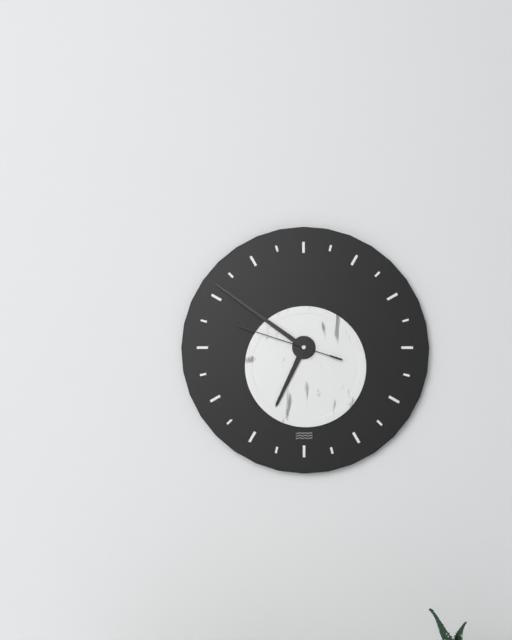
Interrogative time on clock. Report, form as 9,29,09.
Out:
6,51,48
